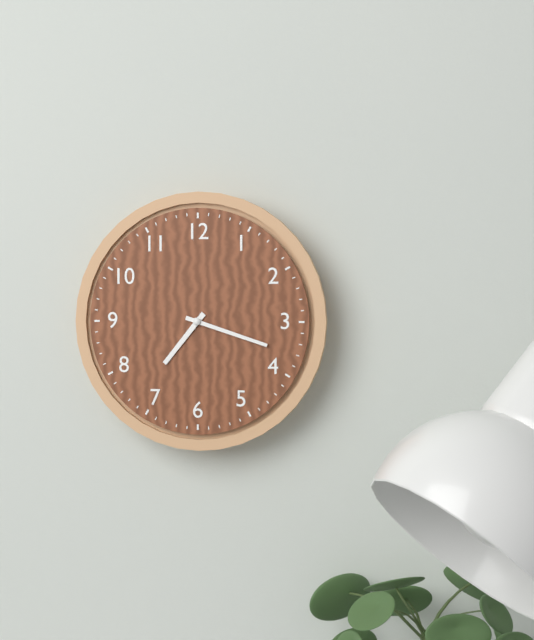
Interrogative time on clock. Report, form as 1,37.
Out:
7,18
